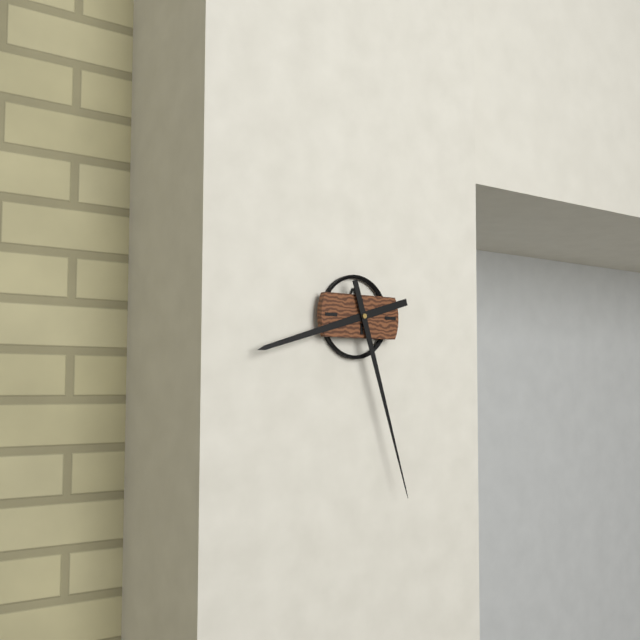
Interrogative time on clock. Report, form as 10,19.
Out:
8,27
